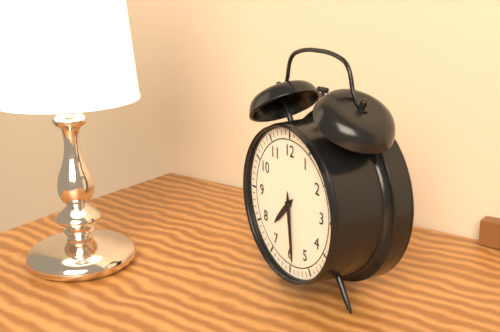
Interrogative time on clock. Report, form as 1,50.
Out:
7,29
